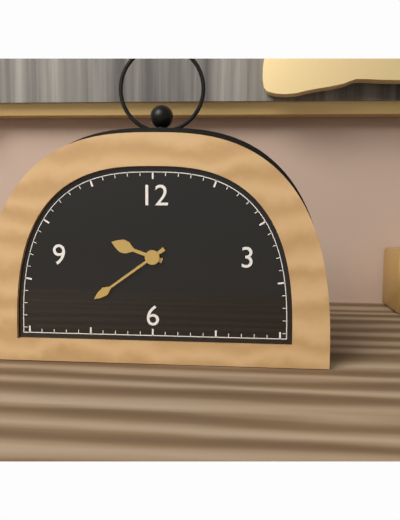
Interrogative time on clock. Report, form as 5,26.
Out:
9,39
